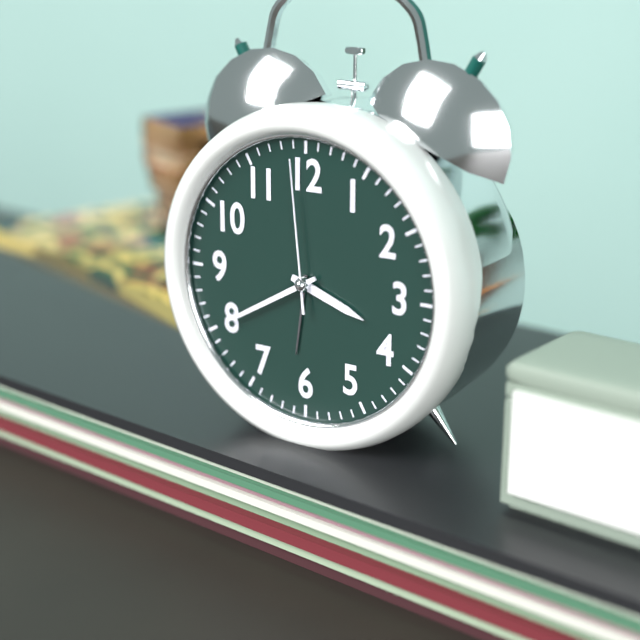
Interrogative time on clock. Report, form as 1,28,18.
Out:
3,40,59
